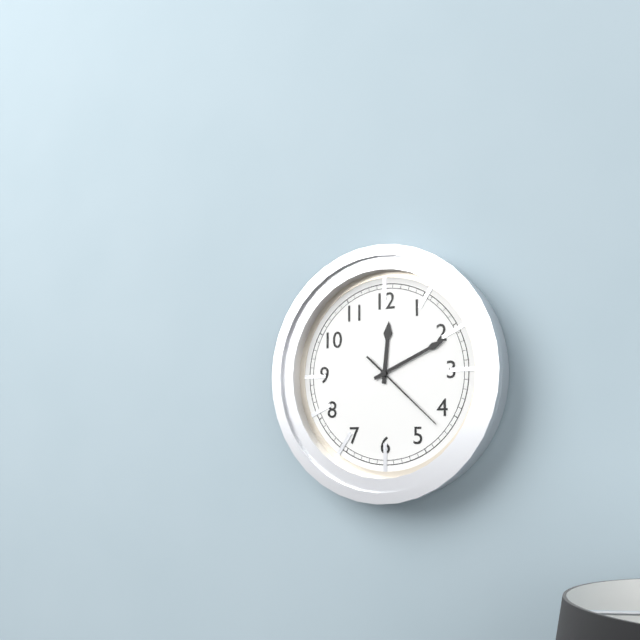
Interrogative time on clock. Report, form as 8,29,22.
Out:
12,11,22
